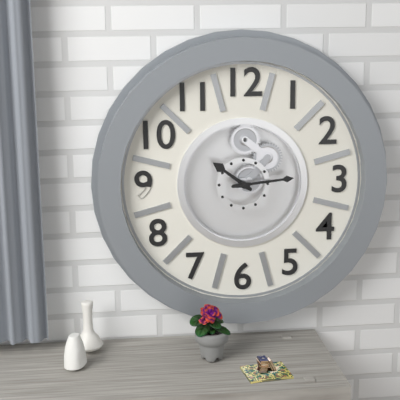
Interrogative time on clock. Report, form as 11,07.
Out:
10,14
